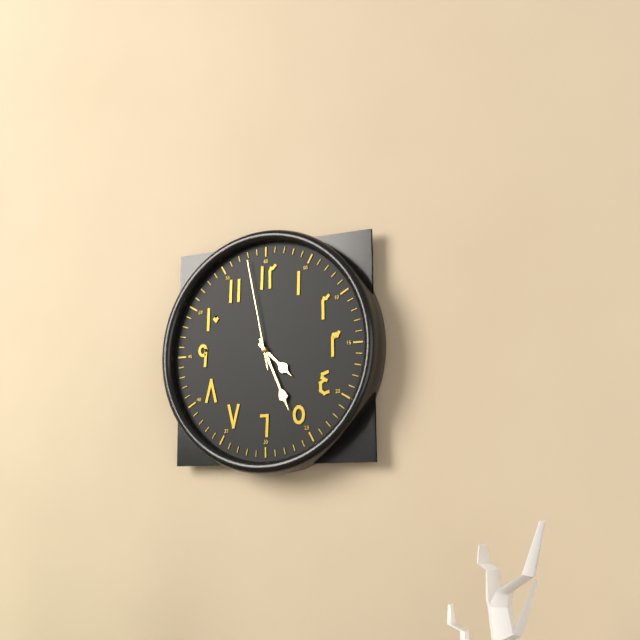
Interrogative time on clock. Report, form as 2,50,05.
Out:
4,26,58
